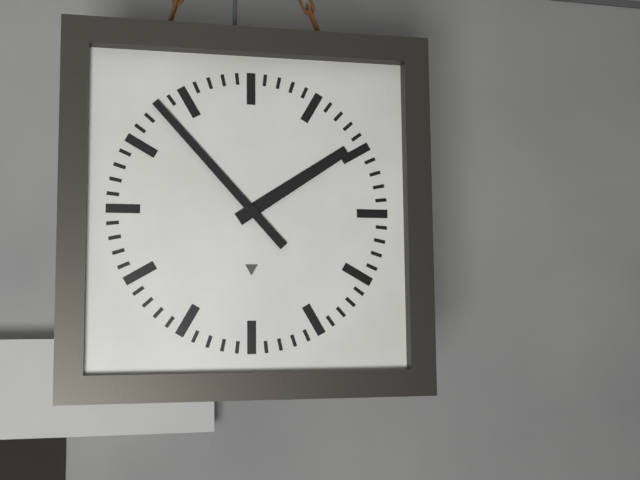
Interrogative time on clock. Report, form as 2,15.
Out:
1,53
